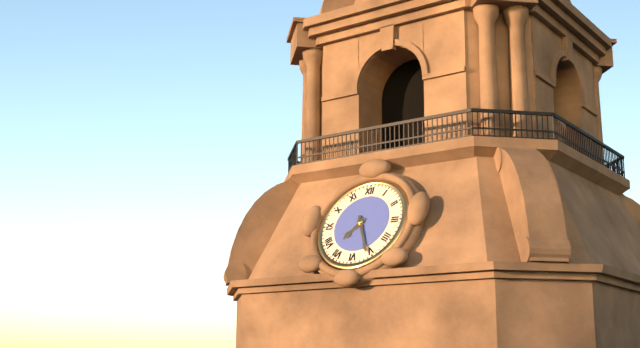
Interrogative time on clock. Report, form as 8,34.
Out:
7,26
